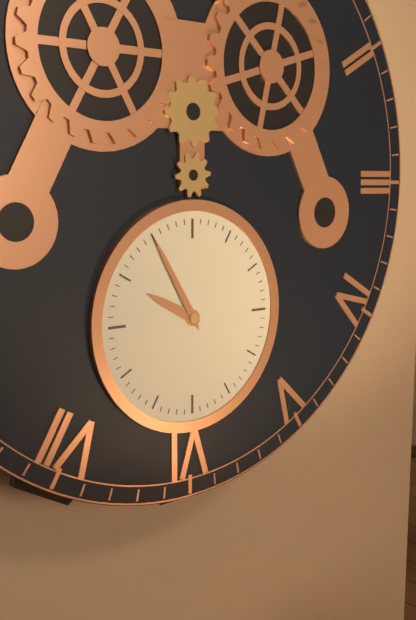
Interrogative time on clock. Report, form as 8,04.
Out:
9,55
